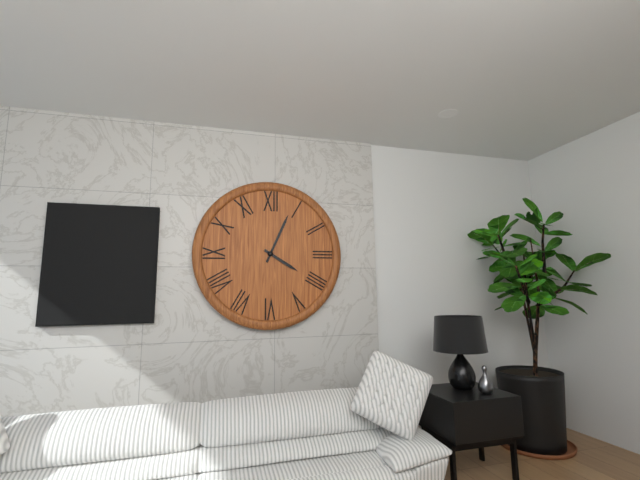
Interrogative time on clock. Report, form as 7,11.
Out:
4,04
